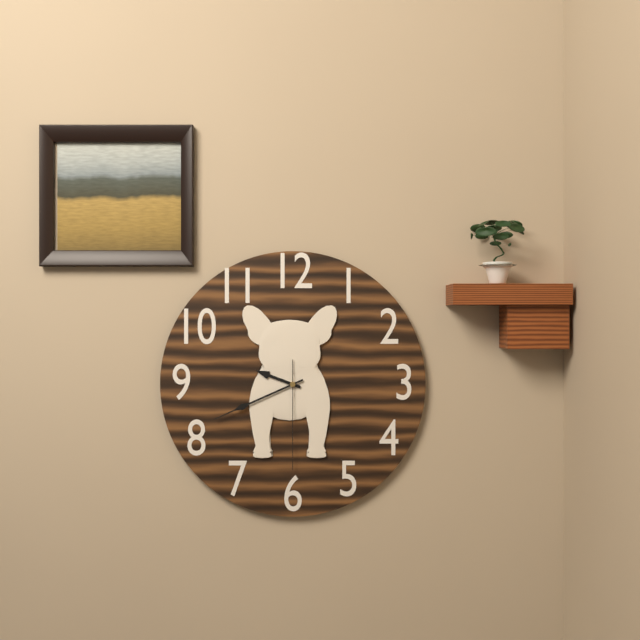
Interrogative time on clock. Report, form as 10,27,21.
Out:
9,41,30
